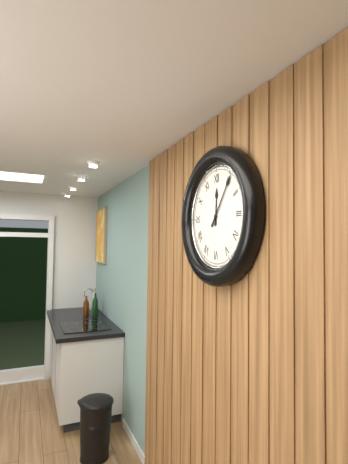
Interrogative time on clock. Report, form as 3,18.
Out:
12,06
